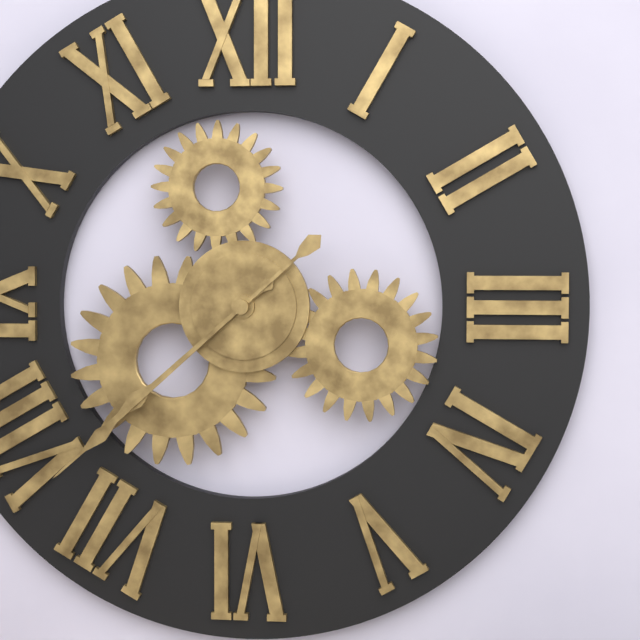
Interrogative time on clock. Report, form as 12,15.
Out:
7,38
